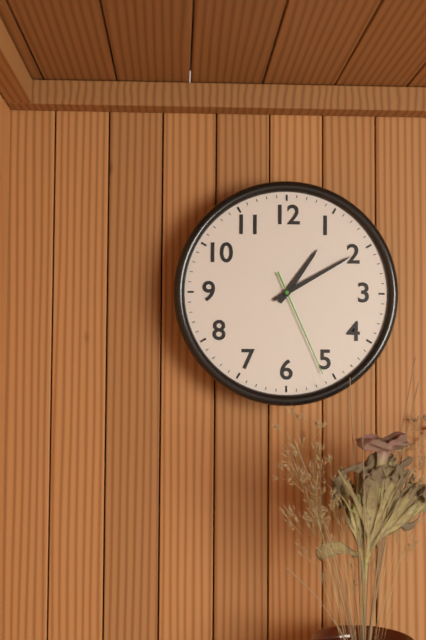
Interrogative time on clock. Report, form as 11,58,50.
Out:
1,10,26
